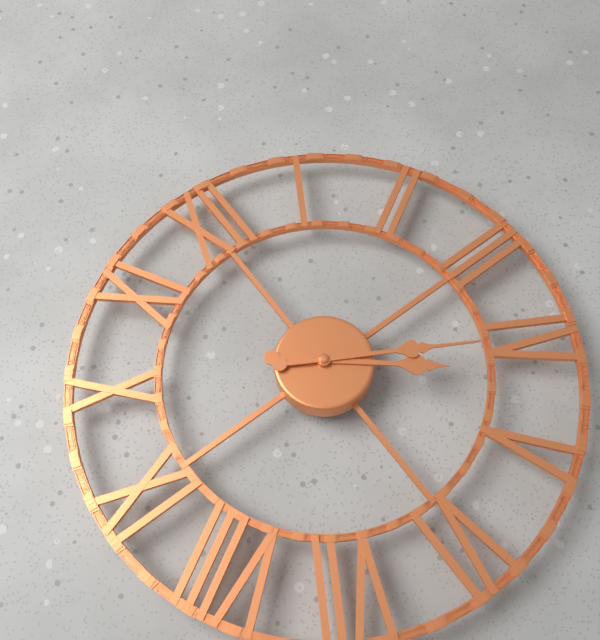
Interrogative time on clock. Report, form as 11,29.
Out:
4,20
